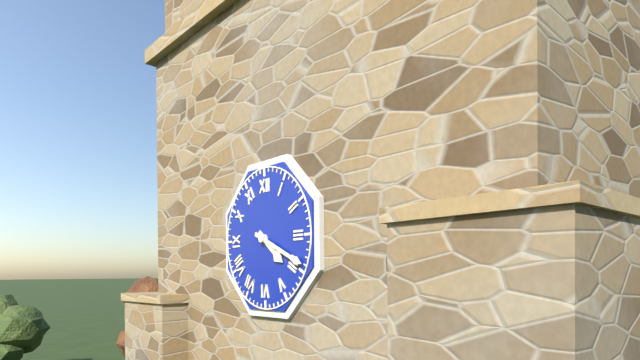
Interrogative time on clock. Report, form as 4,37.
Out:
4,19
